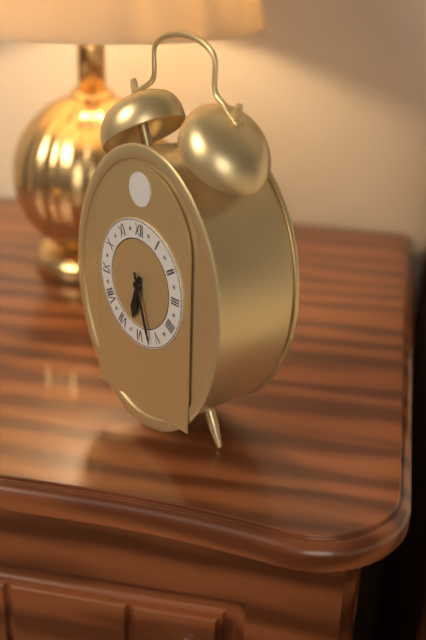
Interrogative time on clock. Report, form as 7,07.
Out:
6,27
